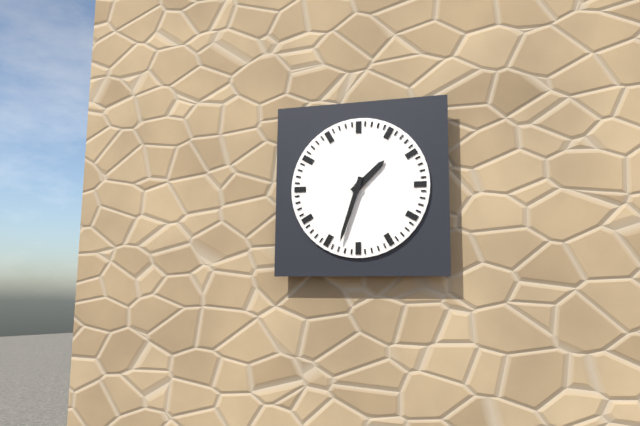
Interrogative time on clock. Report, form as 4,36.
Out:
1,33
